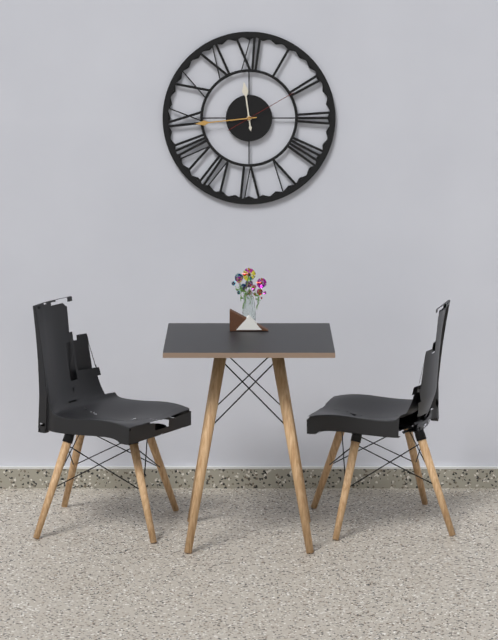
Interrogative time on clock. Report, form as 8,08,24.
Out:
11,44,10
